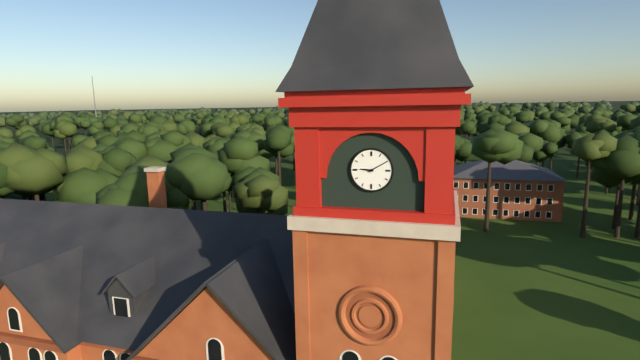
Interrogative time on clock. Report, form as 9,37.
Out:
9,10
